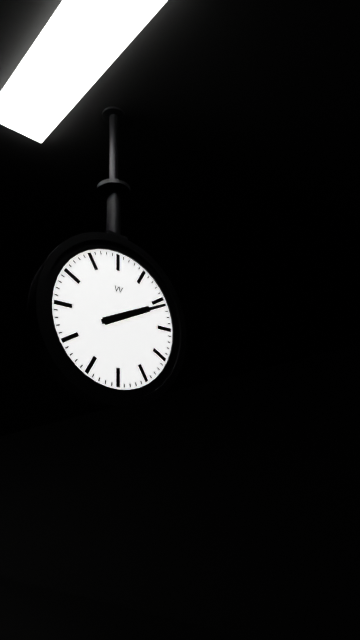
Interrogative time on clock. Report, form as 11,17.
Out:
2,11
